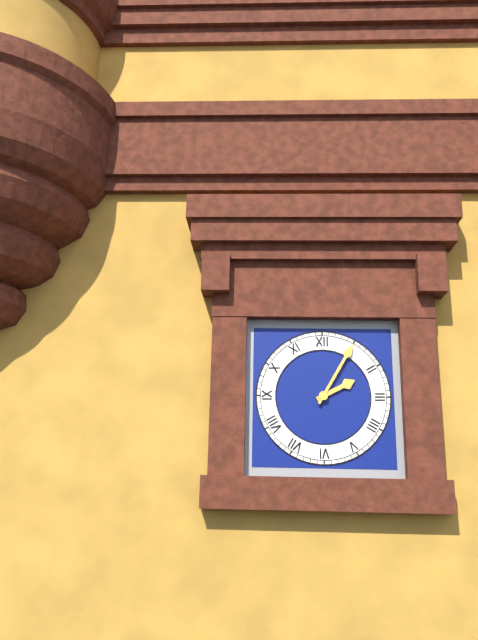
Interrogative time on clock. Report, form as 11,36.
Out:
2,05
